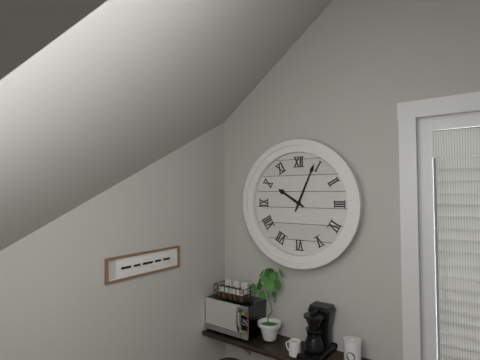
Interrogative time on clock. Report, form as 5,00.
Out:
10,04
